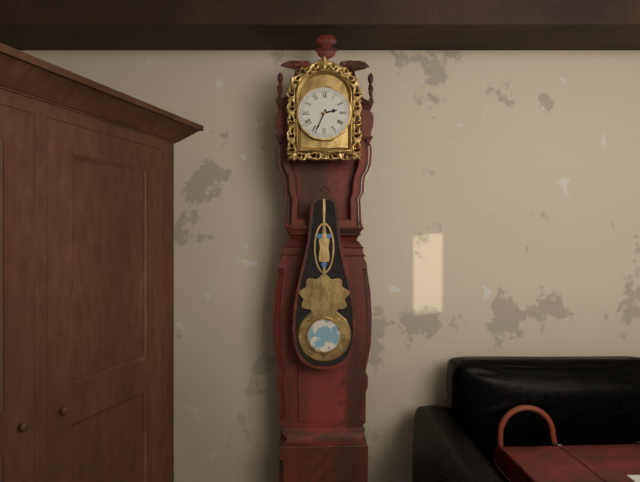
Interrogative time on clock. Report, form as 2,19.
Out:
2,34
